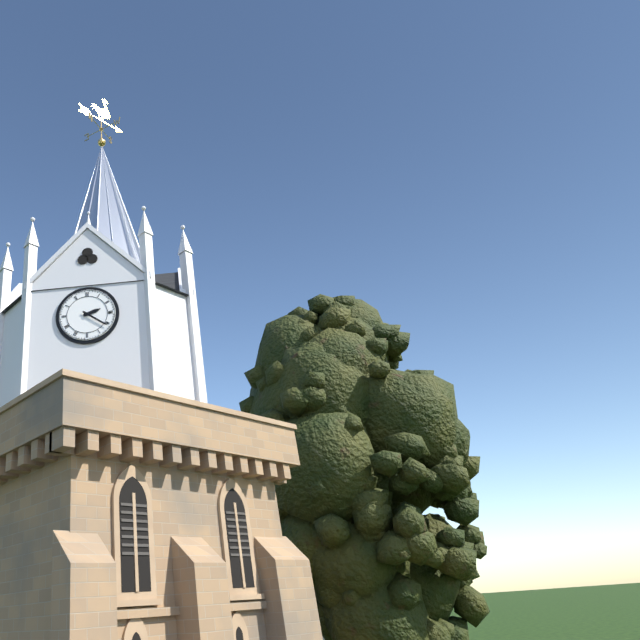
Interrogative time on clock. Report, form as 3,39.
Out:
2,21
